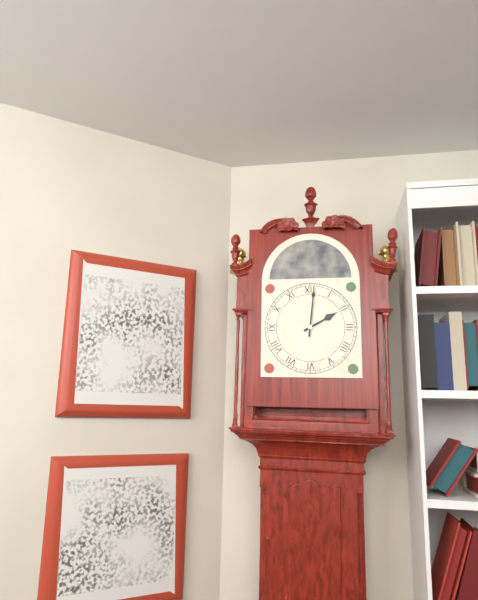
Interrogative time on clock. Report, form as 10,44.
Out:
2,01
